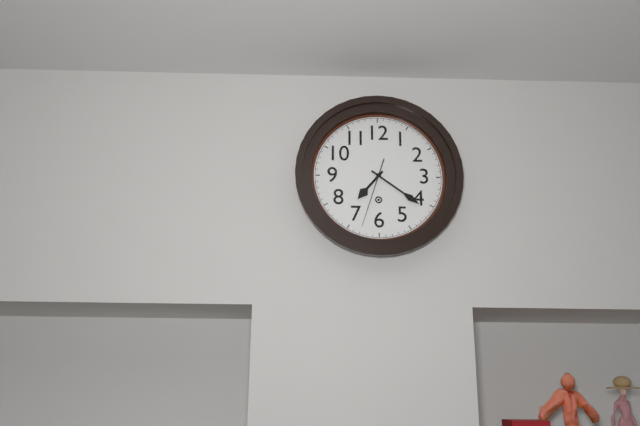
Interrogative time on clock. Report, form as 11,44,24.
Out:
7,21,33
